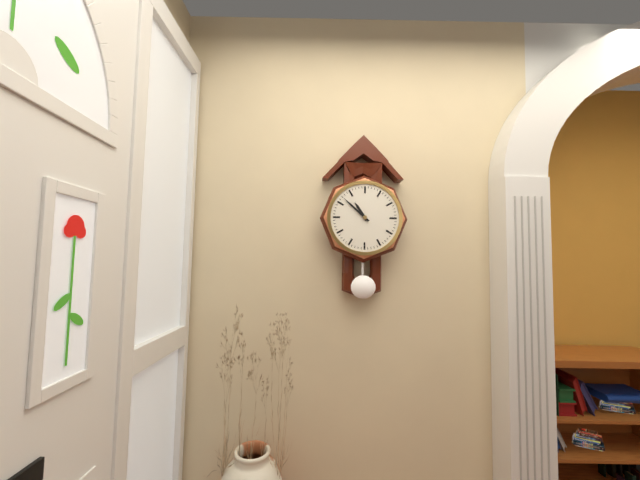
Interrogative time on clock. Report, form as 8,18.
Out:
10,52
